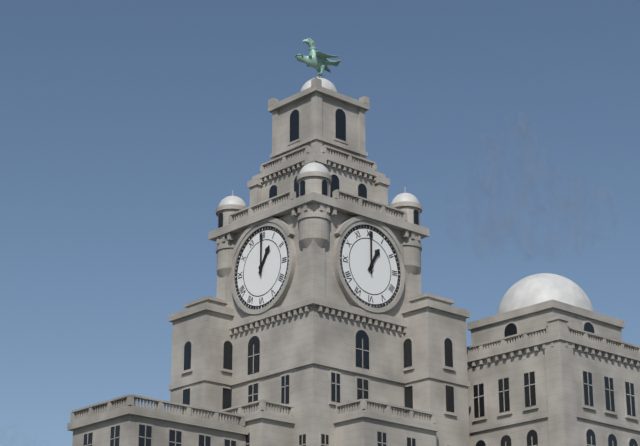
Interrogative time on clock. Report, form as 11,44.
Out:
1,00
